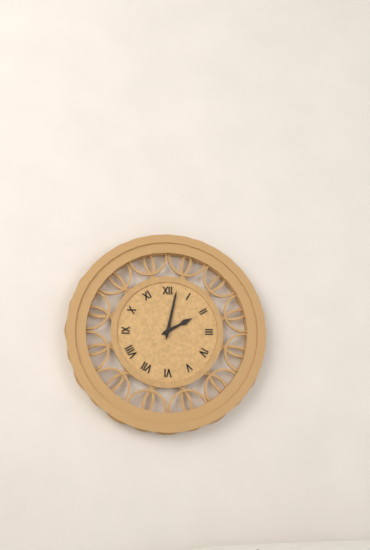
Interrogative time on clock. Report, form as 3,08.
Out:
2,02
